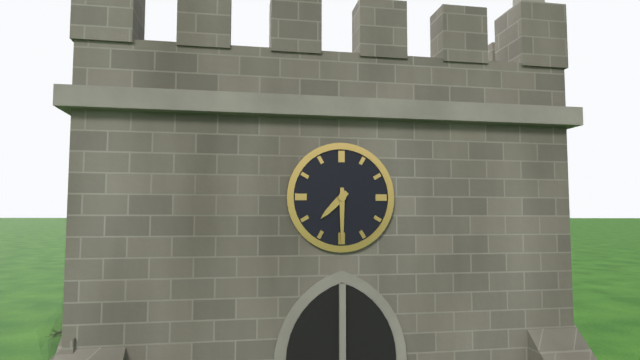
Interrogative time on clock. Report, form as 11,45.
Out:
7,30
